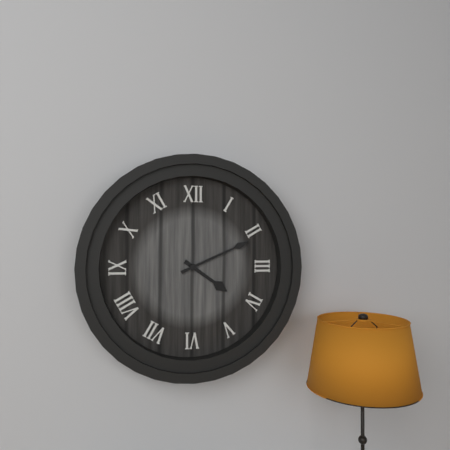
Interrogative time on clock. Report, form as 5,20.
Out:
4,11
